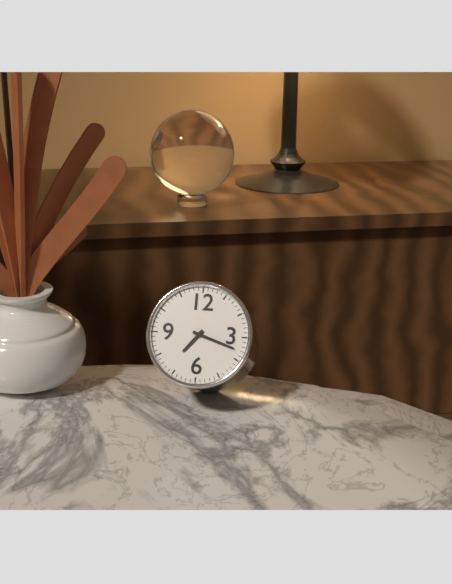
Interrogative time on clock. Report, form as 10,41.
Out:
7,18
